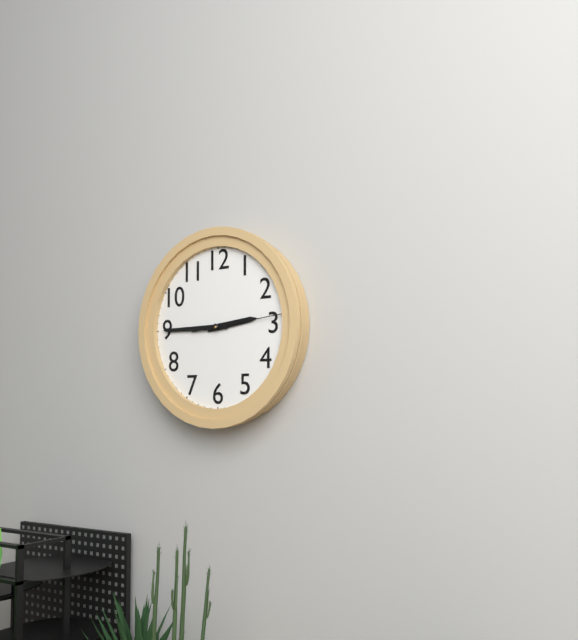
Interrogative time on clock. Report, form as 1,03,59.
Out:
2,45,14
